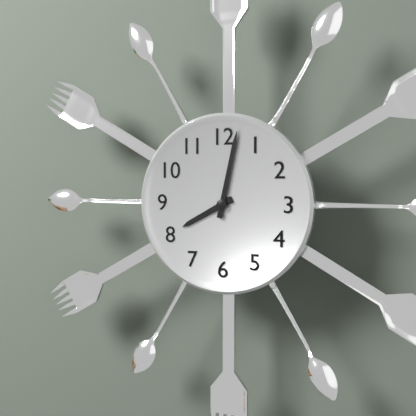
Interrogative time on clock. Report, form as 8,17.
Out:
8,02
